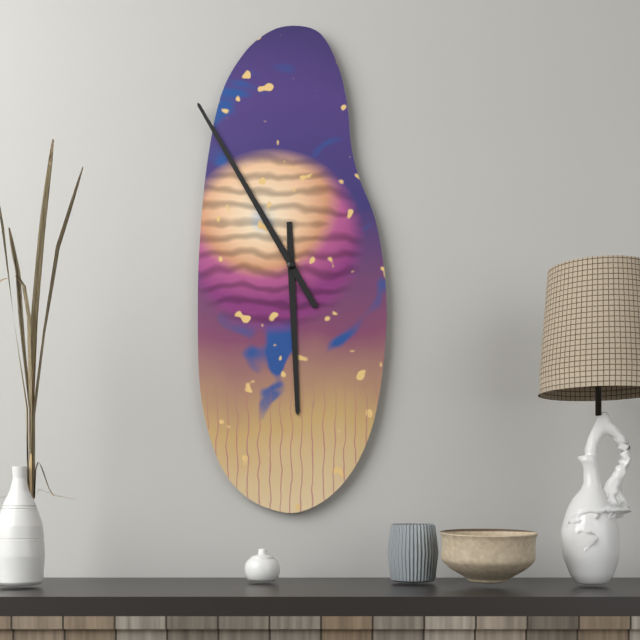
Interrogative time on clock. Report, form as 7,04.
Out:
5,55
